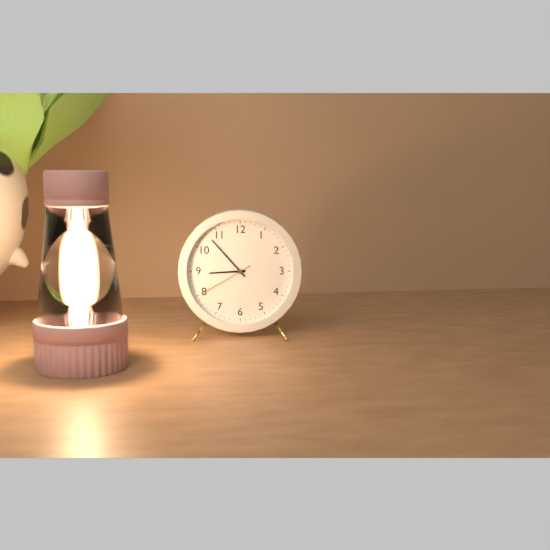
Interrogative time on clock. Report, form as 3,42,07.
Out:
8,53,40
